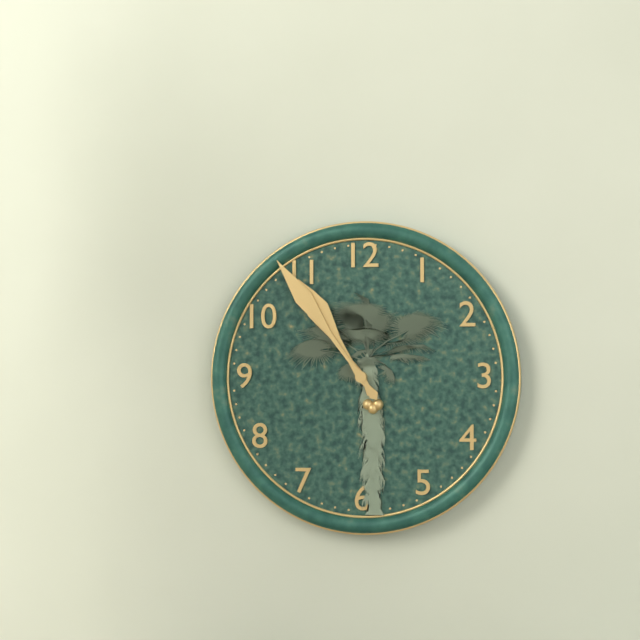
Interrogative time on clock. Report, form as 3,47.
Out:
10,54
